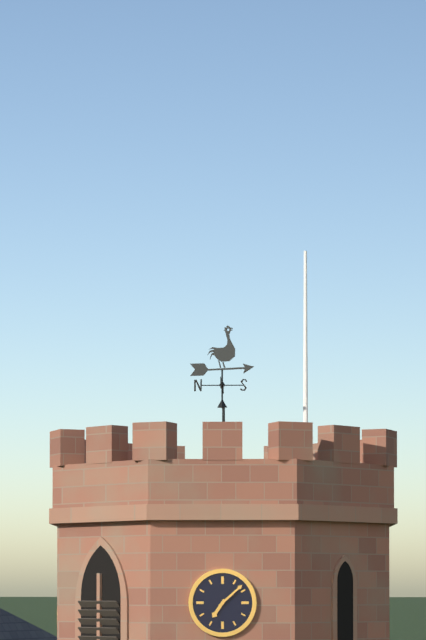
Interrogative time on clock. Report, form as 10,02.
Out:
7,08
